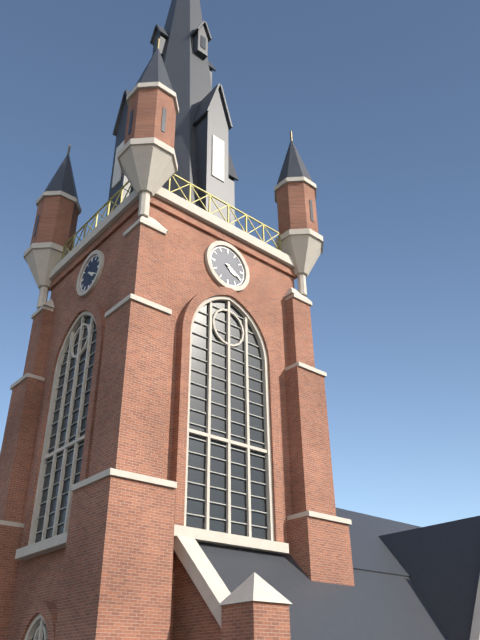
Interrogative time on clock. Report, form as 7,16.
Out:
4,20
